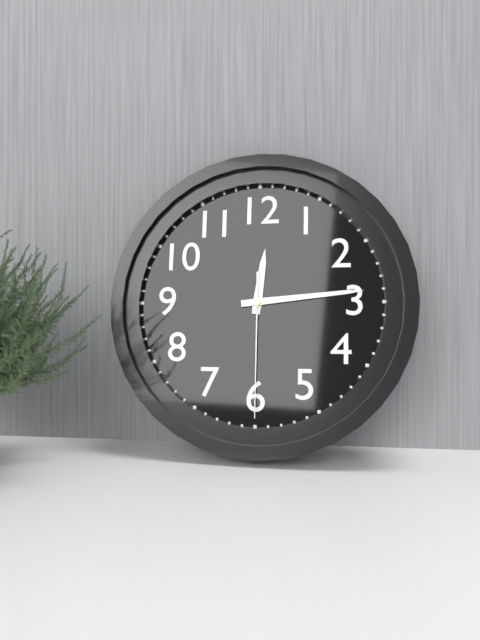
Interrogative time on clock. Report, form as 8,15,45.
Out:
12,14,30
